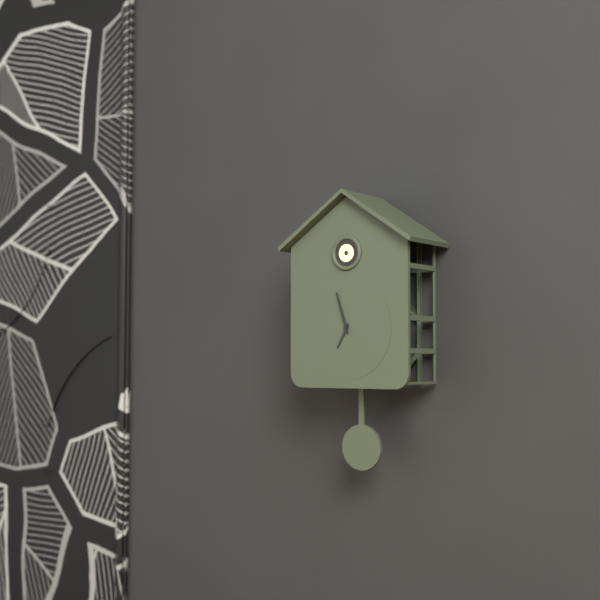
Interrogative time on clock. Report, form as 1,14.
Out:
6,57
